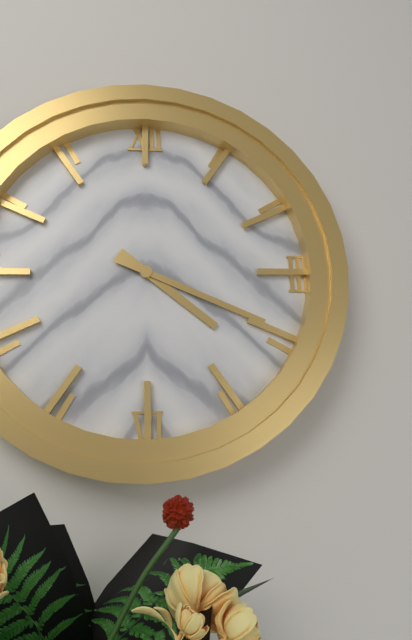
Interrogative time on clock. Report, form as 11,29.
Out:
4,19
